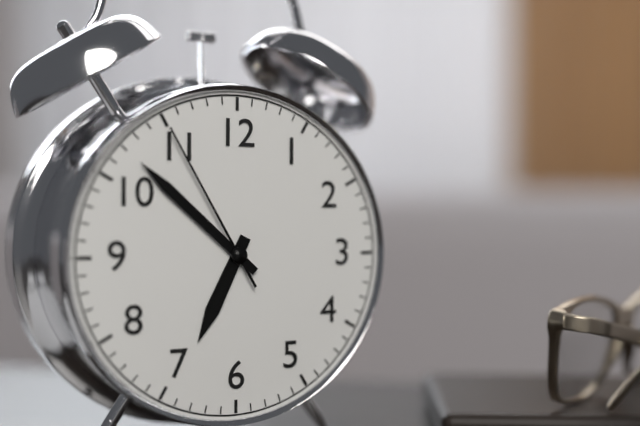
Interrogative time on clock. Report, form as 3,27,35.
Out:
6,52,55
